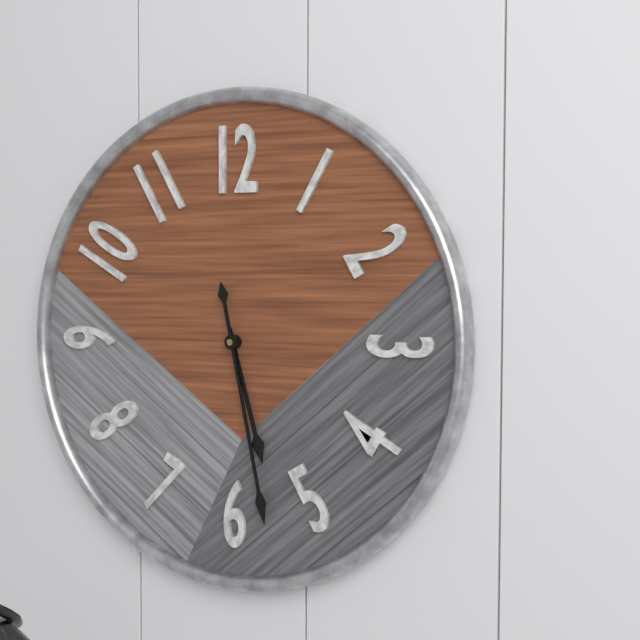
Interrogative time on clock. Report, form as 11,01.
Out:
5,28
